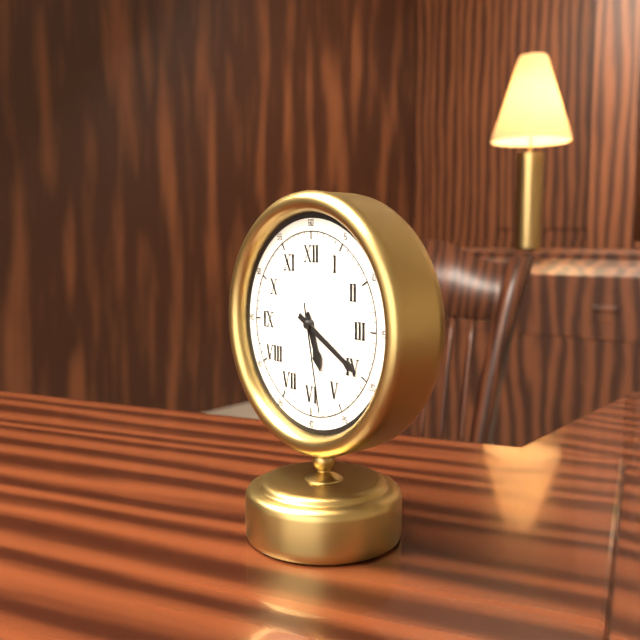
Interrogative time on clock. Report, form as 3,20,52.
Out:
5,20,28
